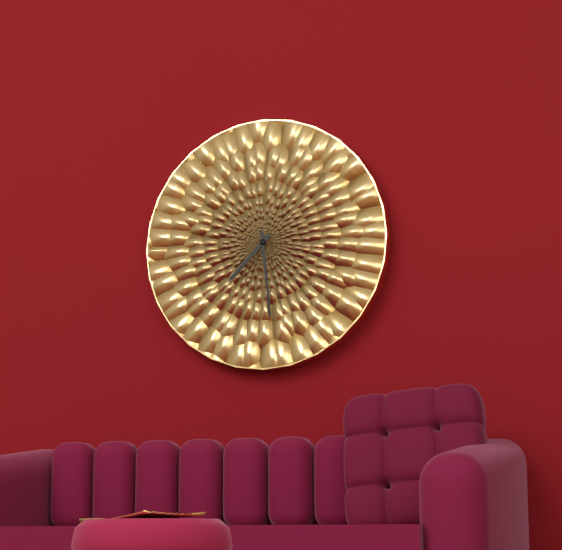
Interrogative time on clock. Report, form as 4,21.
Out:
7,29
